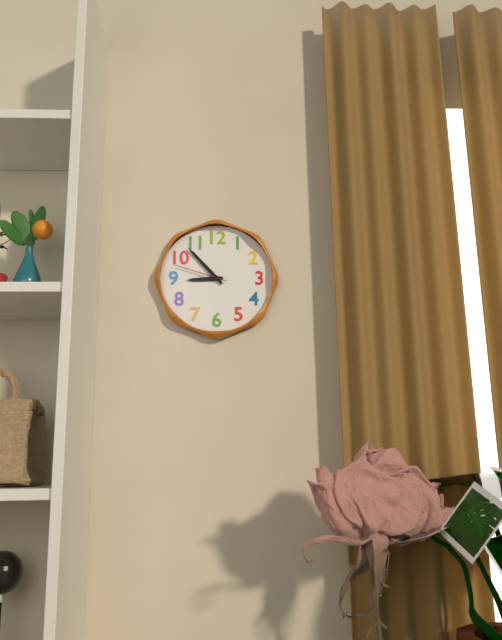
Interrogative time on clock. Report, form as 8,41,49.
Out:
8,53,48
